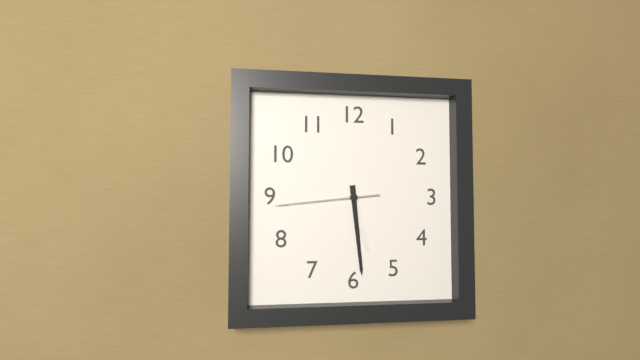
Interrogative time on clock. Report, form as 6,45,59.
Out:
5,29,44
